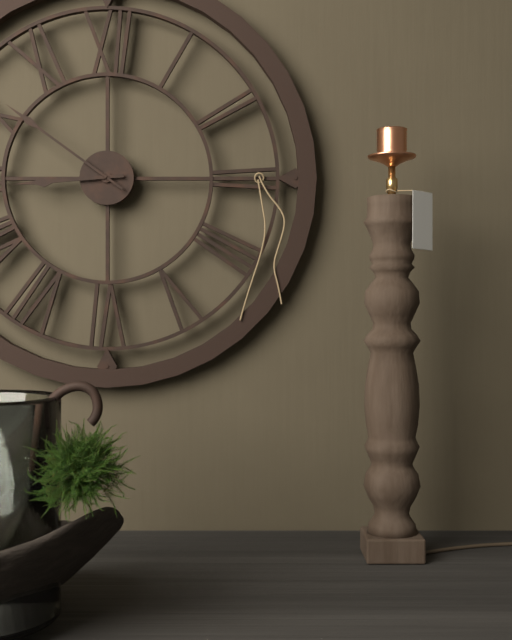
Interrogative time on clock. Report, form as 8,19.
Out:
8,51
